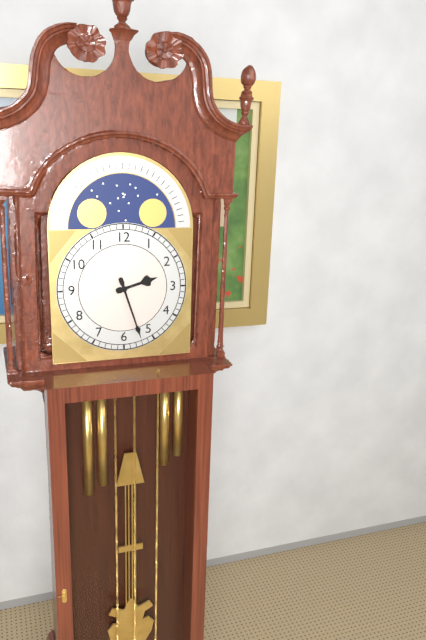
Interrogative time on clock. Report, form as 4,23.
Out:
2,27
